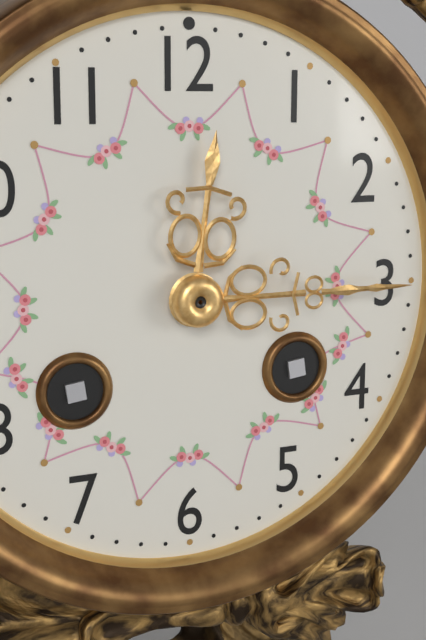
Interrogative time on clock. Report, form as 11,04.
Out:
12,15
